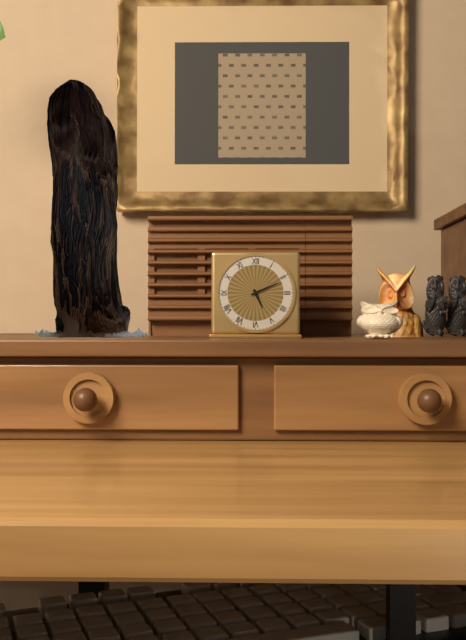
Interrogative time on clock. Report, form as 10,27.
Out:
5,11
